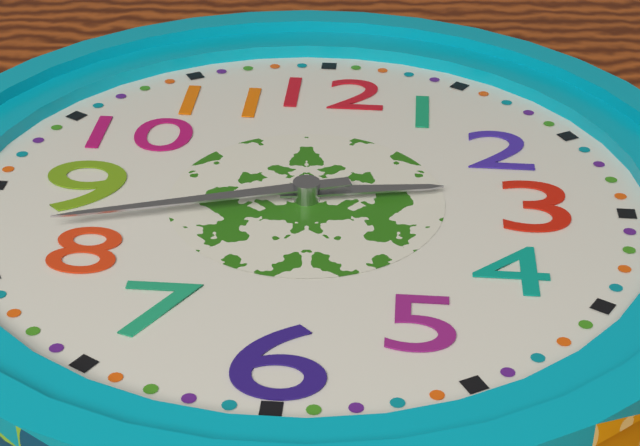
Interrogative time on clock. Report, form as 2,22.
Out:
2,42
